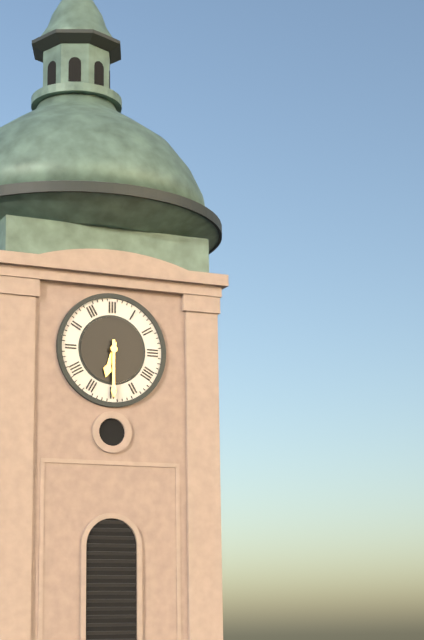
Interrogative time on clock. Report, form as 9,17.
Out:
6,30
